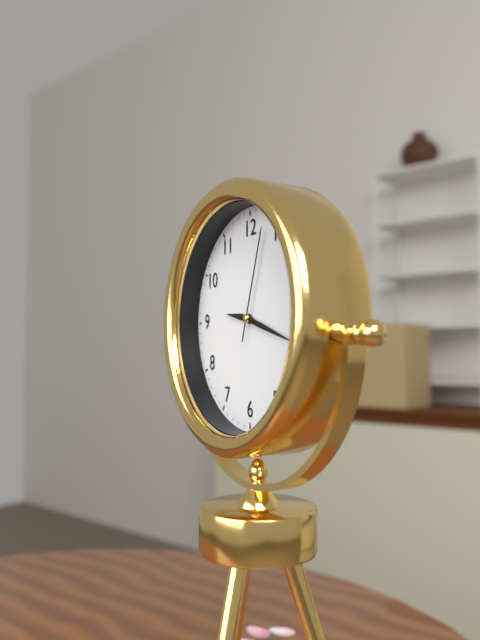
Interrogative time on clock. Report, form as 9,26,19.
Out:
9,18,03
